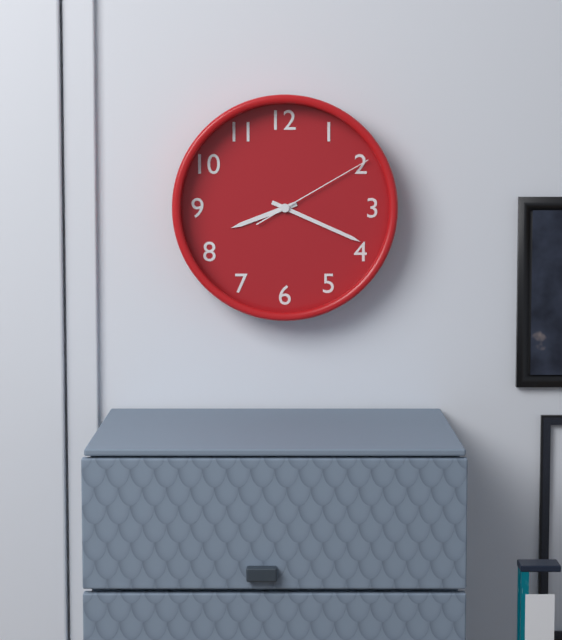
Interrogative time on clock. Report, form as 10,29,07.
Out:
8,19,10
